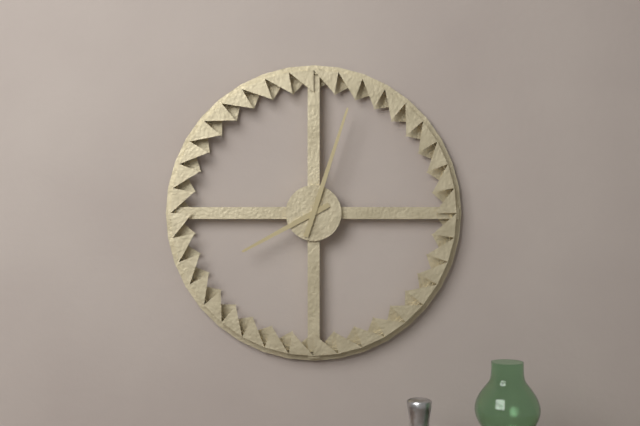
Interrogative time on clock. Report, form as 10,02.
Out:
8,03
